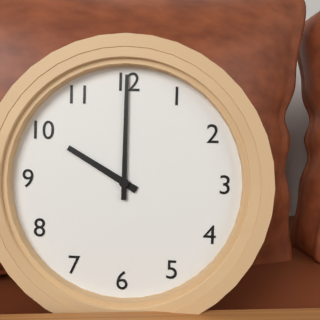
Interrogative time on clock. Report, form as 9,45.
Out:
10,00
